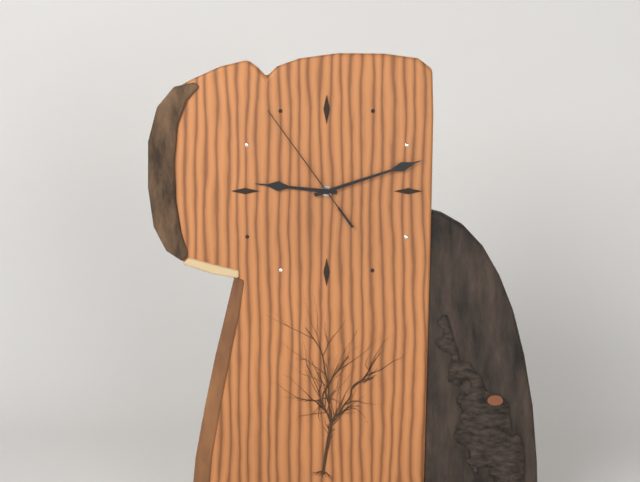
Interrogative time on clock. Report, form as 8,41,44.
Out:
9,12,54
